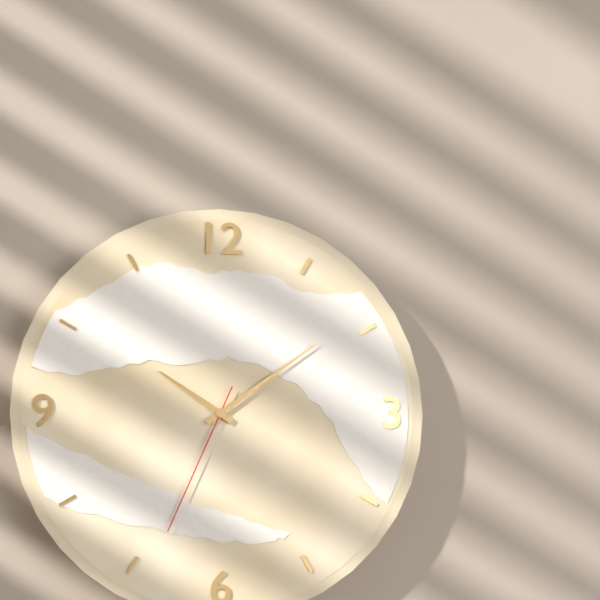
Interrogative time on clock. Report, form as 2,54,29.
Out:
10,09,34
